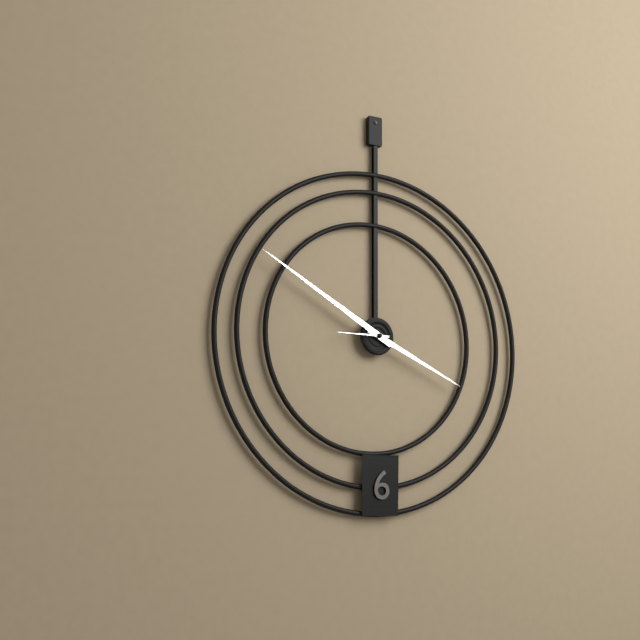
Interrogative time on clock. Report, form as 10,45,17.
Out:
3,50,45
